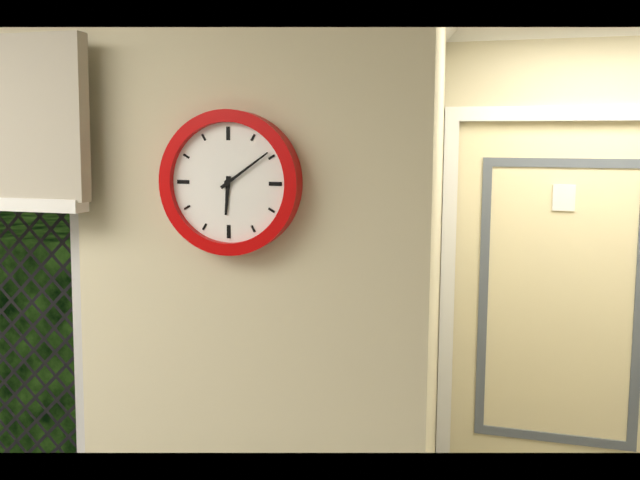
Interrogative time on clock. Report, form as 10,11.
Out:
6,09
